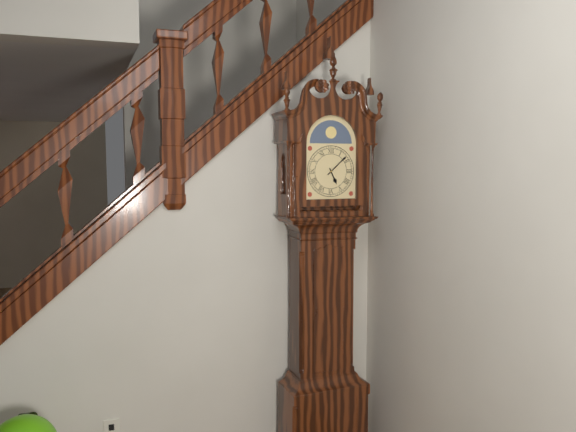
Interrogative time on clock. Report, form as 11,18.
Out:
5,08
